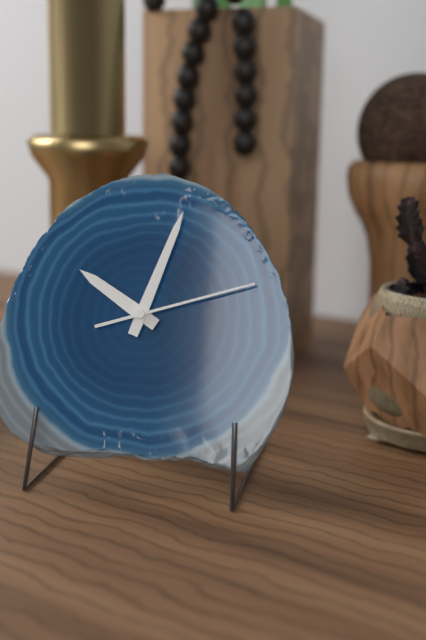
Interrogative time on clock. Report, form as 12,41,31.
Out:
10,03,12
